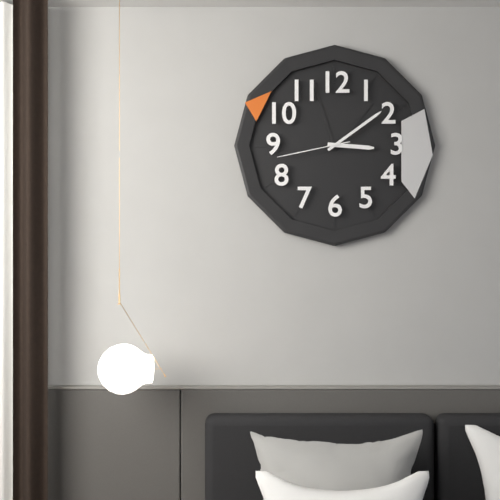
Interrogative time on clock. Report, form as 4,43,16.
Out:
3,09,43
